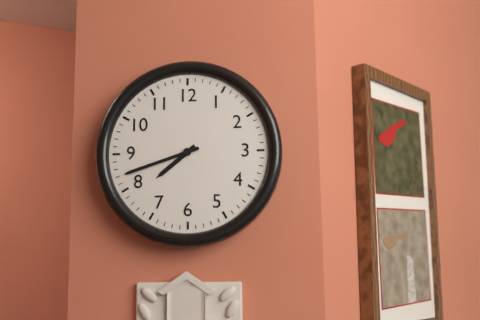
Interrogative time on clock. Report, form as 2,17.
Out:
7,42
